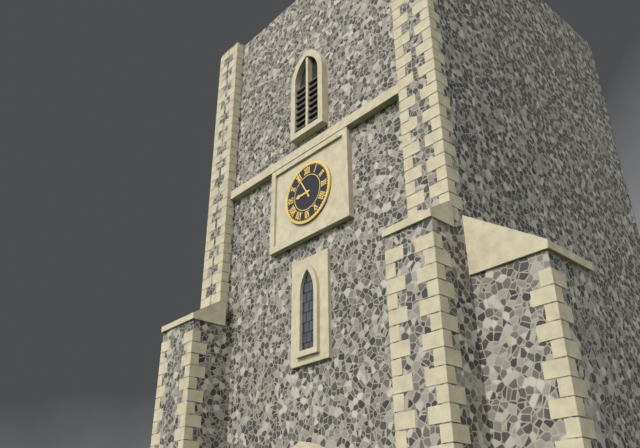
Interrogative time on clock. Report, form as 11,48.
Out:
8,55
